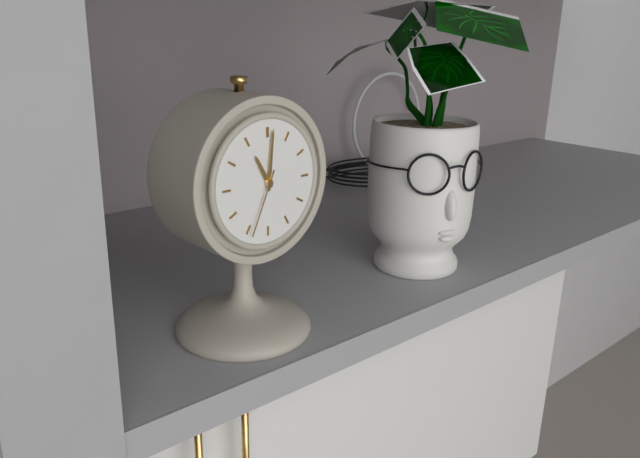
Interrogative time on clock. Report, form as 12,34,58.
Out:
11,01,34
